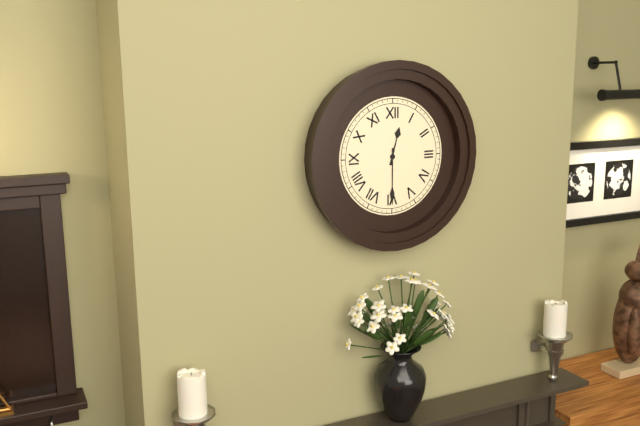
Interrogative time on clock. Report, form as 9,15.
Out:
12,30
